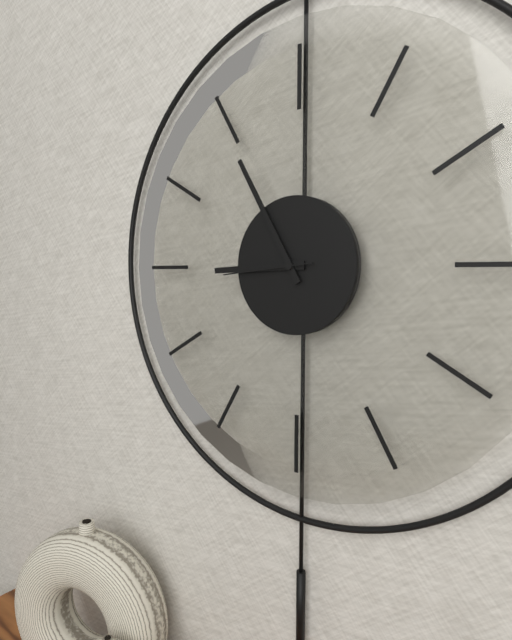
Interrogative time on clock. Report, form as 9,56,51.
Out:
8,55,44
